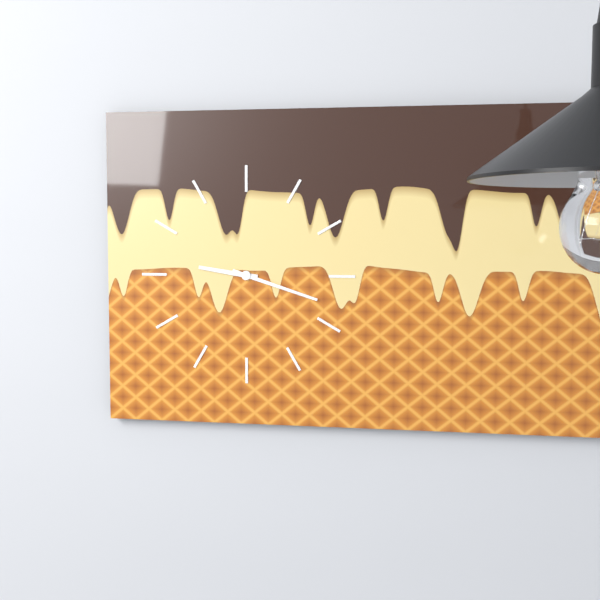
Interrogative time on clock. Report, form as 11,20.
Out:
9,18
